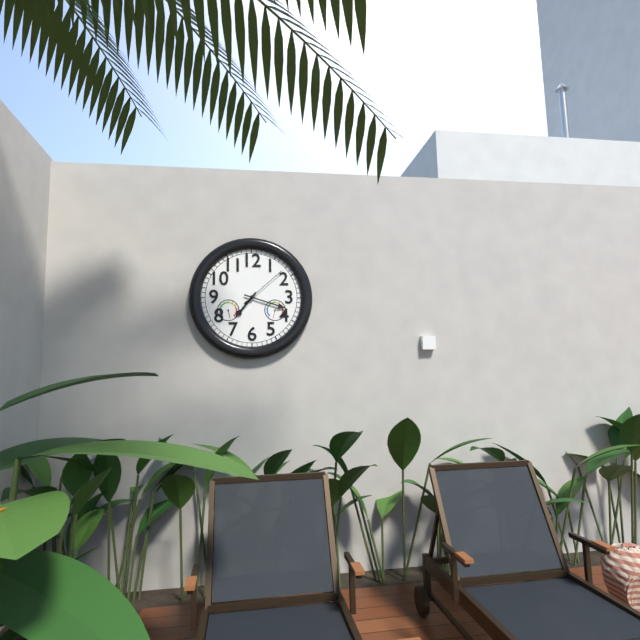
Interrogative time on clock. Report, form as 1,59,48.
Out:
7,18,08
